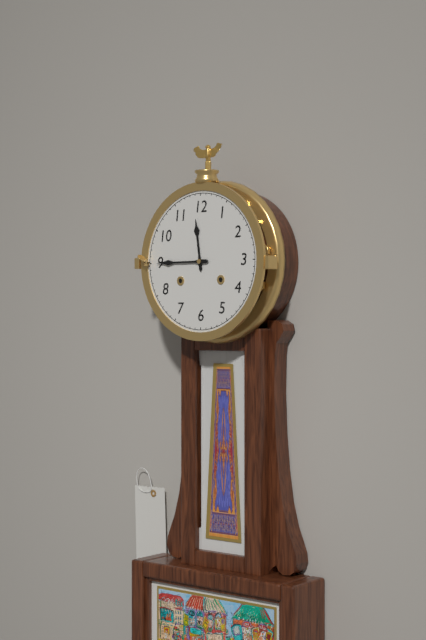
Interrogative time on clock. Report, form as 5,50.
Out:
11,45
